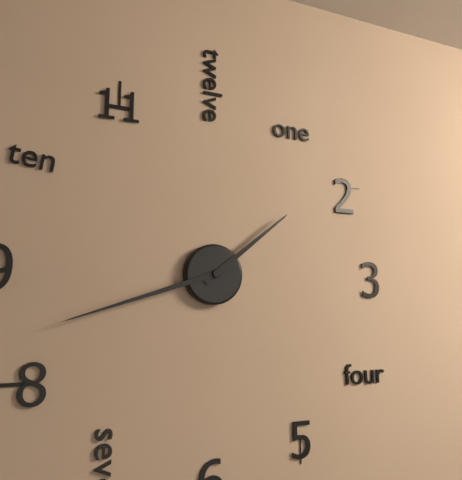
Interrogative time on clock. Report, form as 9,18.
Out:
1,42
